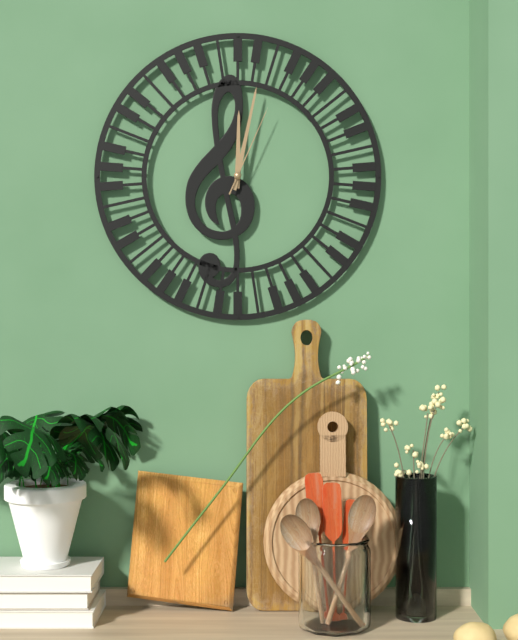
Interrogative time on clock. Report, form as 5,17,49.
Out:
12,02,04
